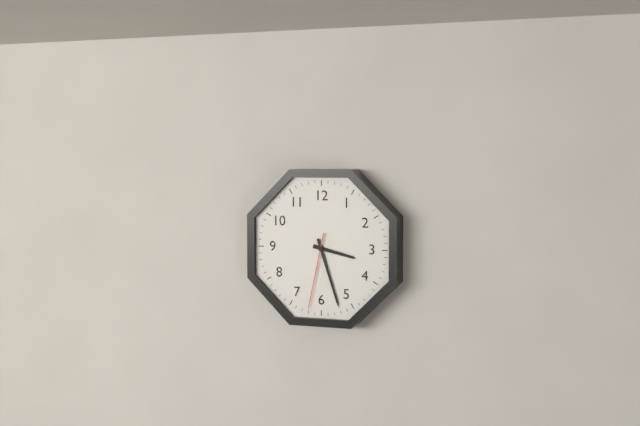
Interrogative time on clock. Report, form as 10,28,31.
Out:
3,27,32
